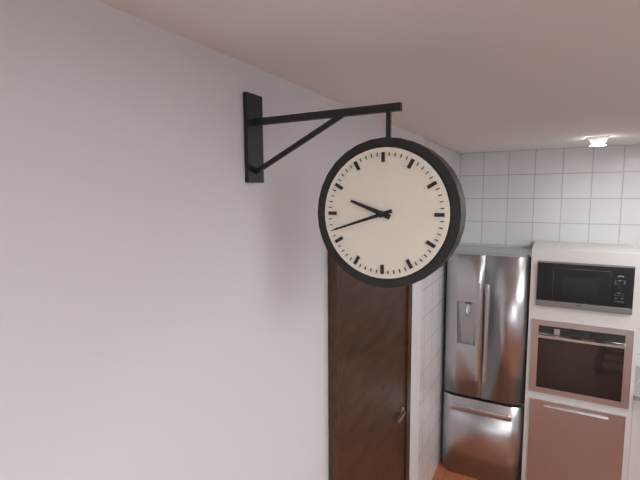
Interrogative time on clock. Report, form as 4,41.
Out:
9,42
